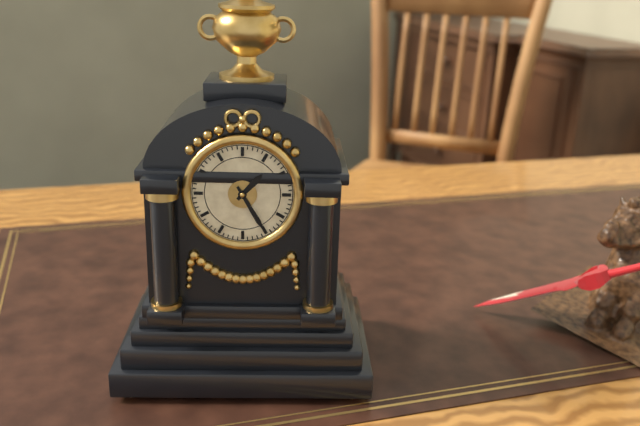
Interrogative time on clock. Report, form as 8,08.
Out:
1,25
